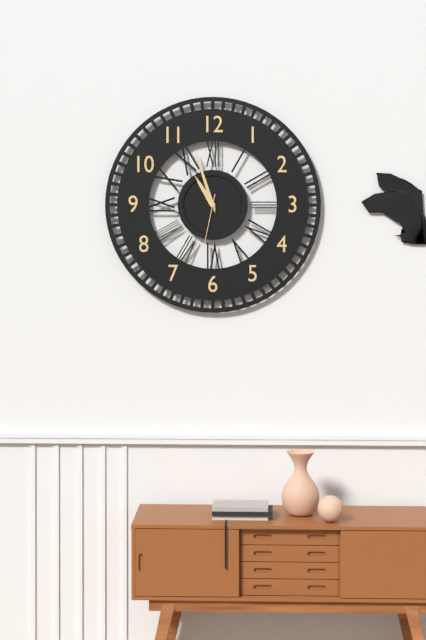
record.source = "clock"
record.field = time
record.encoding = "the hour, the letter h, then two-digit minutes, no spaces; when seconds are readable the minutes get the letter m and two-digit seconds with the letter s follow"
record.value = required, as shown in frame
10h57m32s
